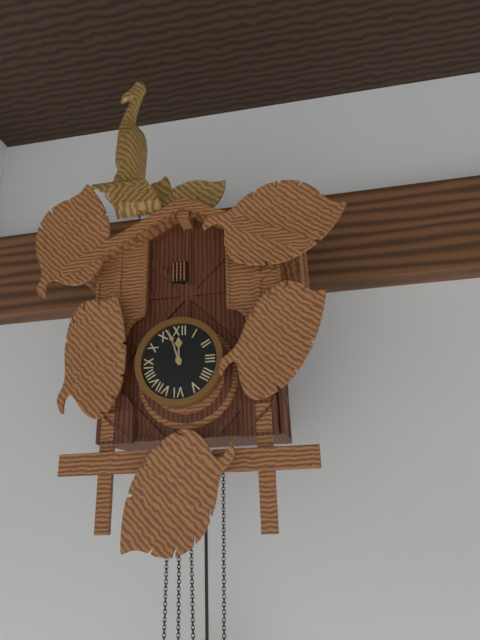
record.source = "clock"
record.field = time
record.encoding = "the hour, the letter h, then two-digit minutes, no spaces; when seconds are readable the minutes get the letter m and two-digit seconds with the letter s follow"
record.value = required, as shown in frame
11h57
